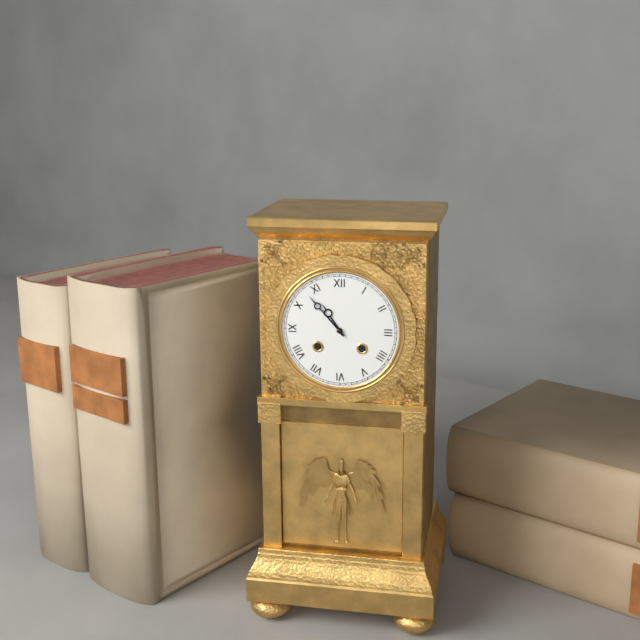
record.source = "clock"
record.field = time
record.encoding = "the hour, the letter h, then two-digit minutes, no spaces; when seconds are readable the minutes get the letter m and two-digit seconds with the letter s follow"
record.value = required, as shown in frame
10h53
